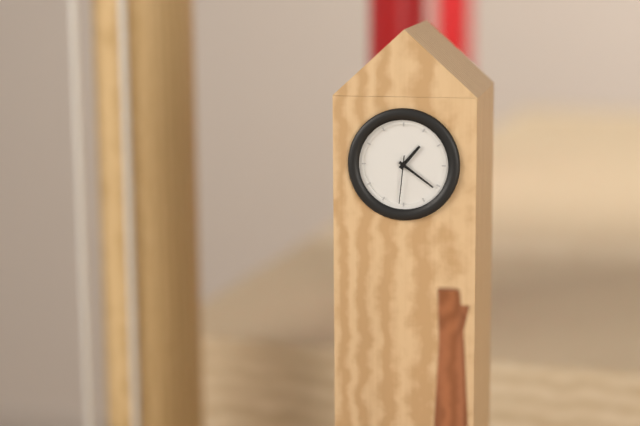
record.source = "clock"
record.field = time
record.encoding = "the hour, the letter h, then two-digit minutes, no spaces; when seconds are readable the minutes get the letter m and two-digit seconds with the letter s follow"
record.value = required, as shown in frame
1h21
